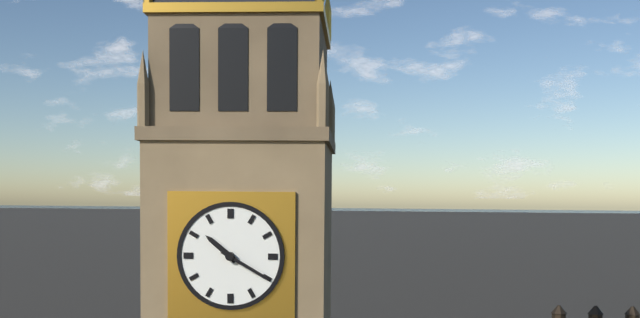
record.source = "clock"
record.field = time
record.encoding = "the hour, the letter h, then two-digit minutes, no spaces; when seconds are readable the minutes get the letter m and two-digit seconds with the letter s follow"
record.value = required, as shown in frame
10h20
